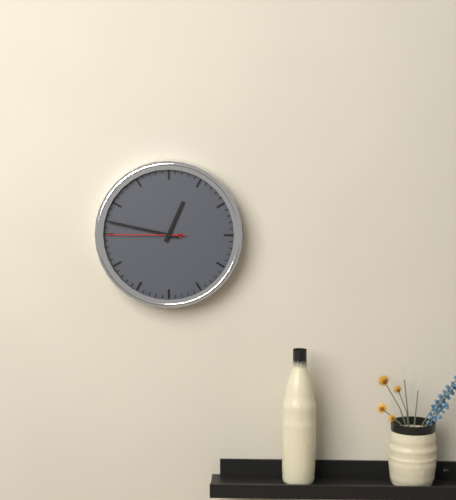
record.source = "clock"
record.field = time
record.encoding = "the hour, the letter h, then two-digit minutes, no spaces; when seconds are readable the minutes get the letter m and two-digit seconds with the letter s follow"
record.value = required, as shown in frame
12h47m45s
